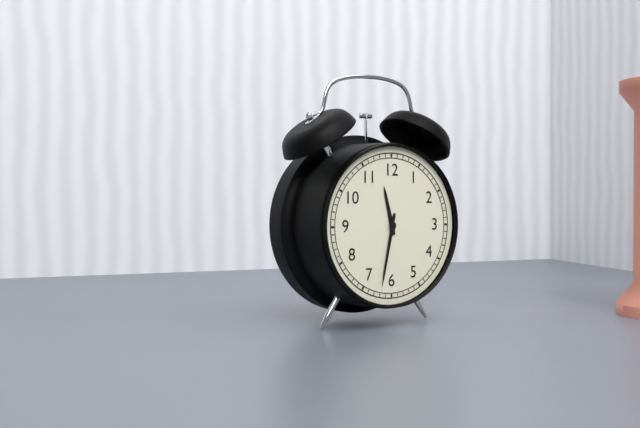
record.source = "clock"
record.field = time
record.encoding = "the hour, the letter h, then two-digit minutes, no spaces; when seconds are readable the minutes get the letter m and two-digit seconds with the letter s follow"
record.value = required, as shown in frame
11h32
